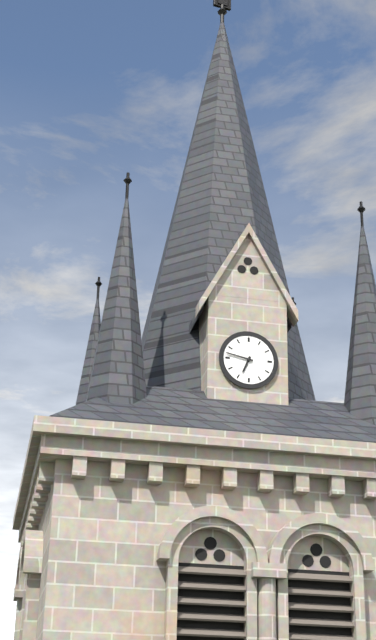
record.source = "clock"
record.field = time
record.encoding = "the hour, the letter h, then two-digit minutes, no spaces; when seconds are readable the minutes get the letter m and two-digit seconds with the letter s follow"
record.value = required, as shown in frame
6h47
